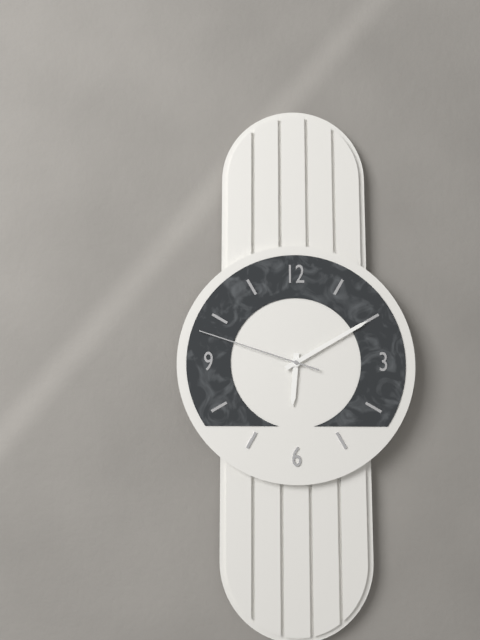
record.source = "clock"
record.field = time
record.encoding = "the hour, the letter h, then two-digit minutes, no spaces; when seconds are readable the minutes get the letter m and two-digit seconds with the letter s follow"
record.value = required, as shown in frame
6h10m48s
